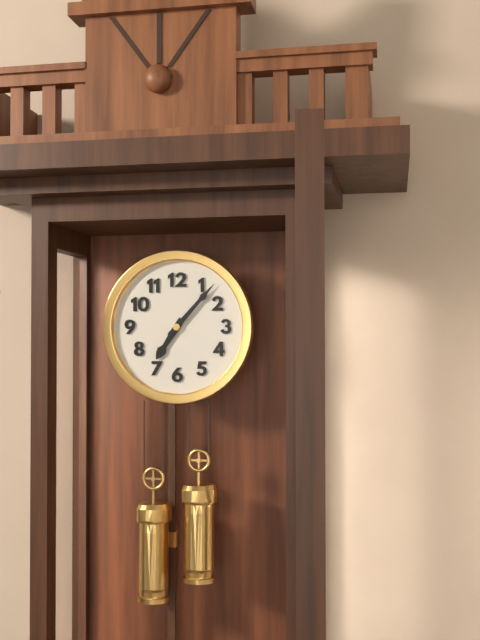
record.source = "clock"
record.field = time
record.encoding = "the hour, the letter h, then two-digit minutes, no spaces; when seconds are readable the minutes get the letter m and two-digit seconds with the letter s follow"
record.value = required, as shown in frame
7h07
